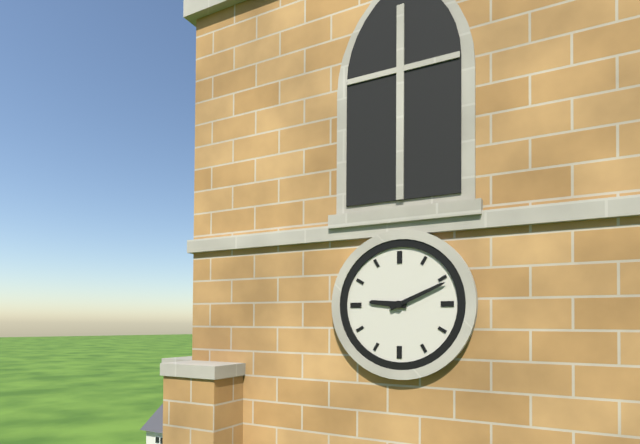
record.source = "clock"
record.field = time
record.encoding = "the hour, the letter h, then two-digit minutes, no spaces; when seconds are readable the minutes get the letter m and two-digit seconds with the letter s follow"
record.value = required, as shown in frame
9h11
